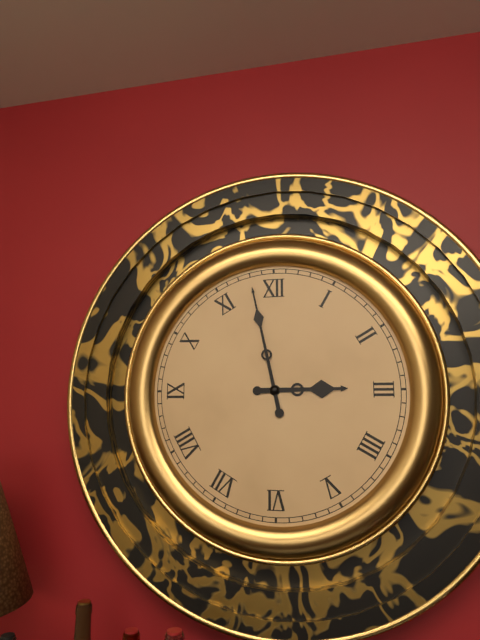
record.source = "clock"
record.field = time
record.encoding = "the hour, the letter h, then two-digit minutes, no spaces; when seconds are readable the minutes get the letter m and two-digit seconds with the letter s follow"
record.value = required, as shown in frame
2h58
